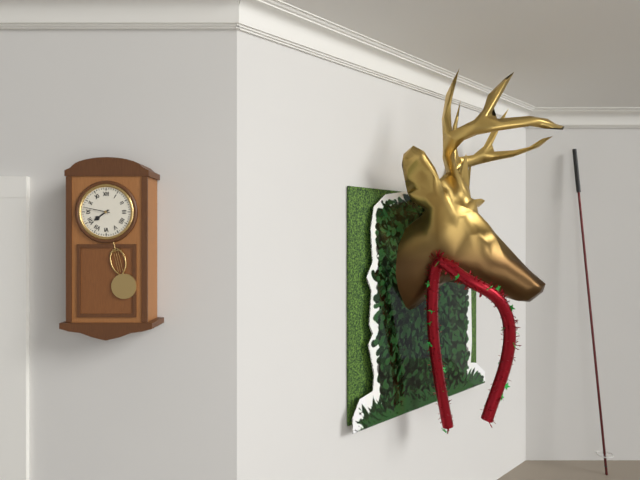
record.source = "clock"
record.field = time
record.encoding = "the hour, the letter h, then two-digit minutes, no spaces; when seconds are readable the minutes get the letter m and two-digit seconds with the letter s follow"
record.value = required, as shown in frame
7h47
